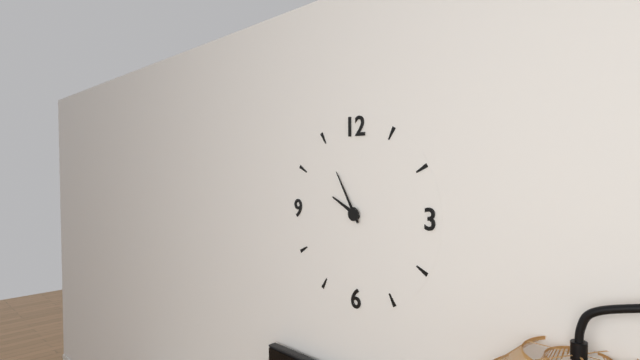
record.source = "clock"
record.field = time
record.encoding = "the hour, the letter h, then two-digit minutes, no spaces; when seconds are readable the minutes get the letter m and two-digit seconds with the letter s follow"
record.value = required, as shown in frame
9h55
